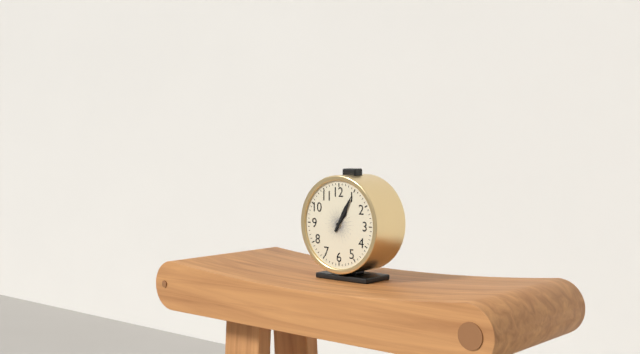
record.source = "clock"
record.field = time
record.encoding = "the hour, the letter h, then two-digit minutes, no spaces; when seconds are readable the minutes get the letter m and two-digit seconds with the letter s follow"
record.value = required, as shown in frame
1h05
